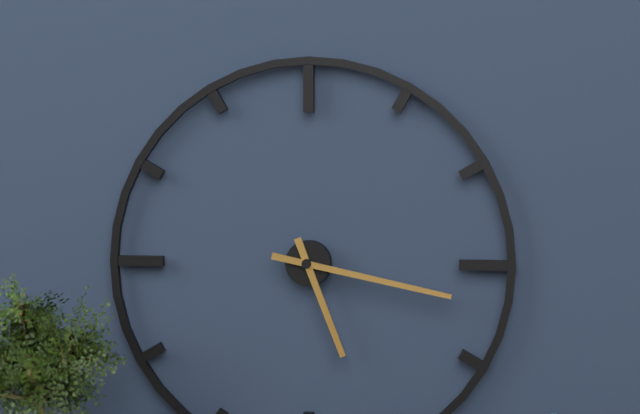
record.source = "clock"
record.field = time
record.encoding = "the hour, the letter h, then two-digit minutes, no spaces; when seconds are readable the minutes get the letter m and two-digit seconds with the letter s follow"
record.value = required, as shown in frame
5h17
